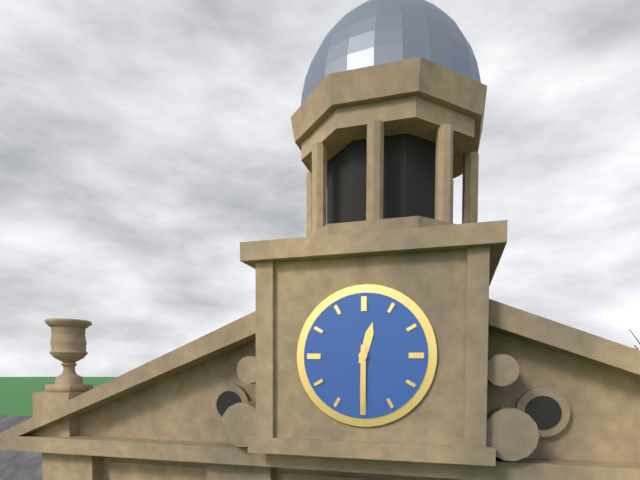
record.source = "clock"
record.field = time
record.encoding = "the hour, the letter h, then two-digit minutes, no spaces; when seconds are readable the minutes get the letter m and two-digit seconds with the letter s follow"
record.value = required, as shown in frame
12h30
